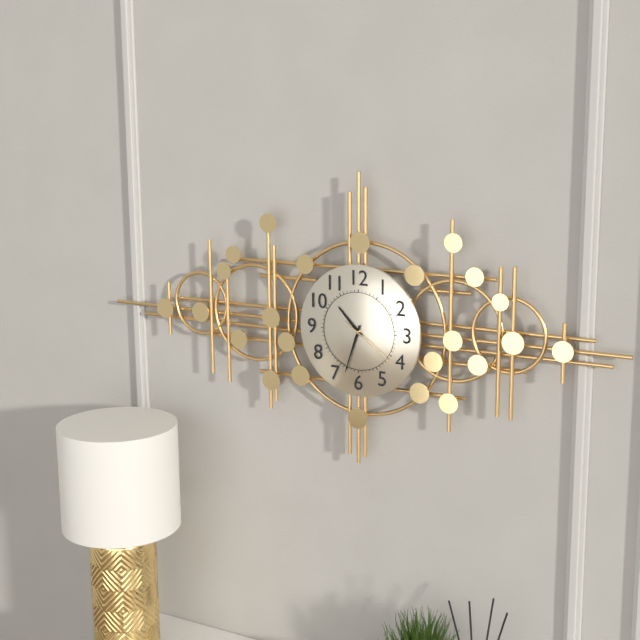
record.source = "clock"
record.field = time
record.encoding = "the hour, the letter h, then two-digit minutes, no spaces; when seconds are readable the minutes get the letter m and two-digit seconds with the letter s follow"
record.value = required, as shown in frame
10h33m21s
